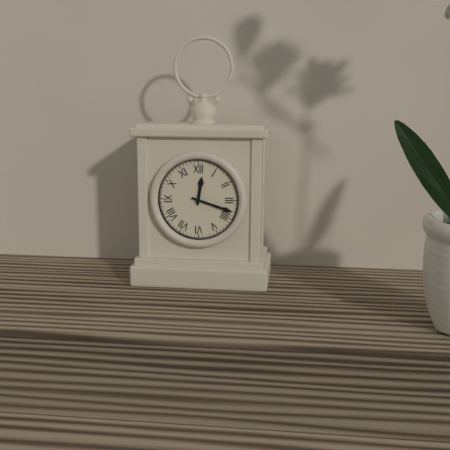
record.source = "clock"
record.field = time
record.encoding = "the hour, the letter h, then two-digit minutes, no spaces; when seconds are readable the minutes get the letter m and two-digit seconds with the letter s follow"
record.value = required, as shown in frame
12h18
